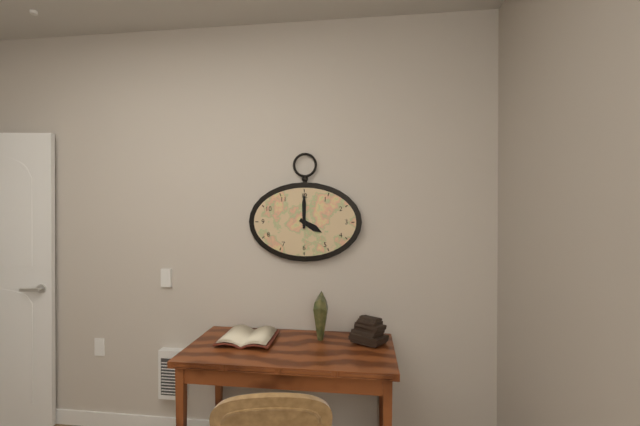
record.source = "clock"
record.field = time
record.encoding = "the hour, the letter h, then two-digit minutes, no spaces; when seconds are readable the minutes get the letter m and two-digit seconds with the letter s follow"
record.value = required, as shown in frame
4h00
